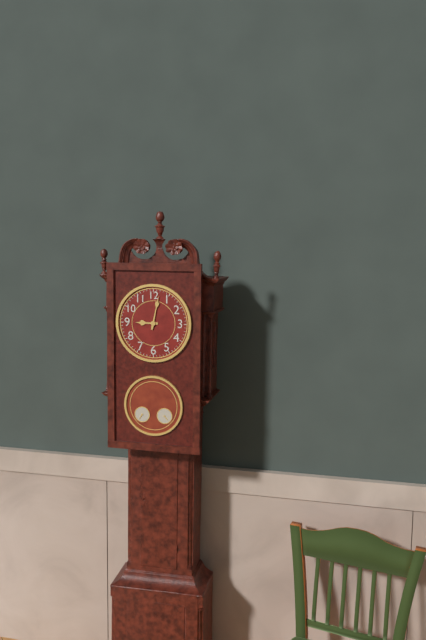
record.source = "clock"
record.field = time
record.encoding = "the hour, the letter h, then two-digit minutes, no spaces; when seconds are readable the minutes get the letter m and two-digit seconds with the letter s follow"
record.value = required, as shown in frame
9h02
